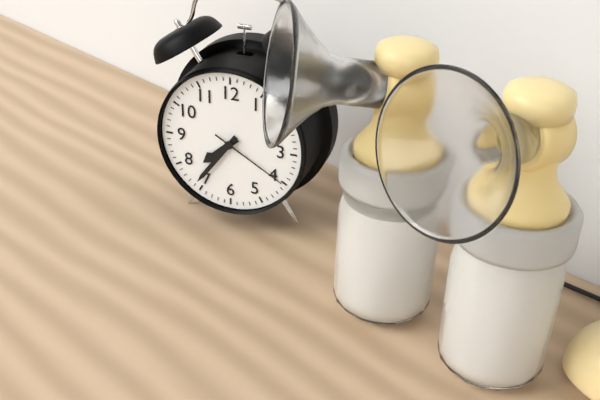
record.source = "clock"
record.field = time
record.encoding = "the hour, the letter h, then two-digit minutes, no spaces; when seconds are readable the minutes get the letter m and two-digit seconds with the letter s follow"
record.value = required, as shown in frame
7h36m20s
